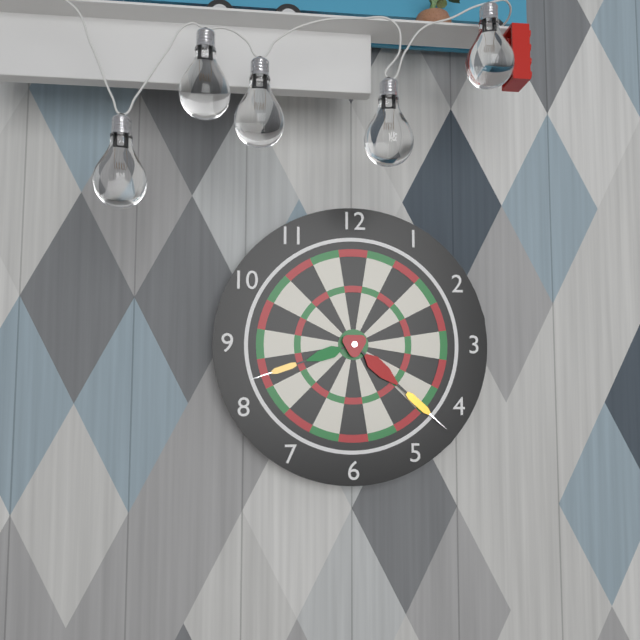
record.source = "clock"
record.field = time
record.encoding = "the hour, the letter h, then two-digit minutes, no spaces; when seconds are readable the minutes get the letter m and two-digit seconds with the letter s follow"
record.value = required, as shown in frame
8h22
